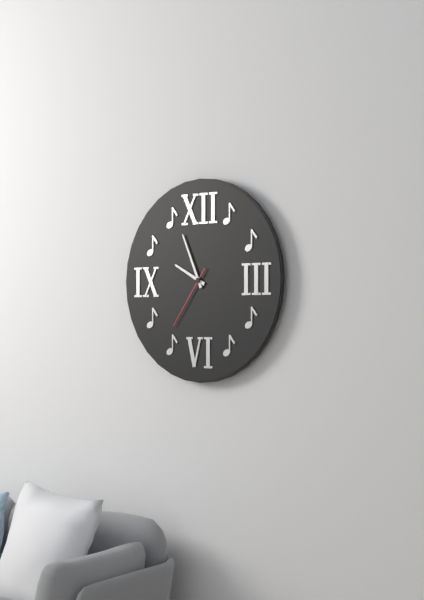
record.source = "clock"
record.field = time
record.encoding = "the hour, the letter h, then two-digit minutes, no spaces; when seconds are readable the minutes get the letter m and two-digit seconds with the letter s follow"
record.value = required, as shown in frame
9h56m36s
